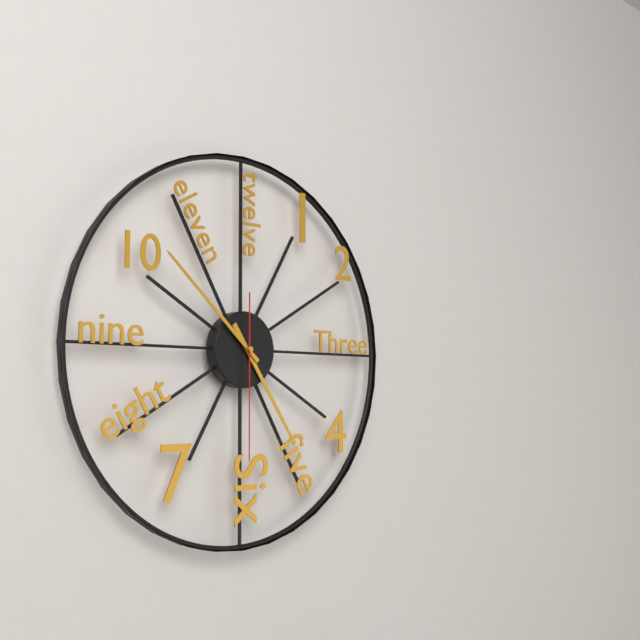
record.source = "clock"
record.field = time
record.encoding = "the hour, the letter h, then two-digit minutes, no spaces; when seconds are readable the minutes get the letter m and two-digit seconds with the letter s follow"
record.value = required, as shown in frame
4h52m30s
